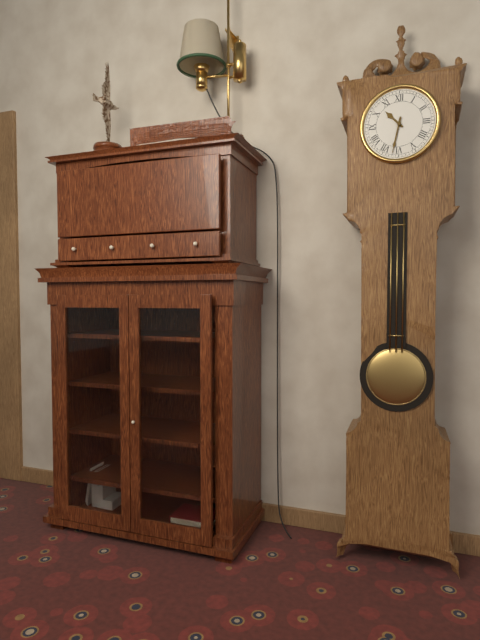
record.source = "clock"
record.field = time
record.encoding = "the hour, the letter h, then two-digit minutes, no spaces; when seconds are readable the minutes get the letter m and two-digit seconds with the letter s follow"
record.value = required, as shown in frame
10h32
